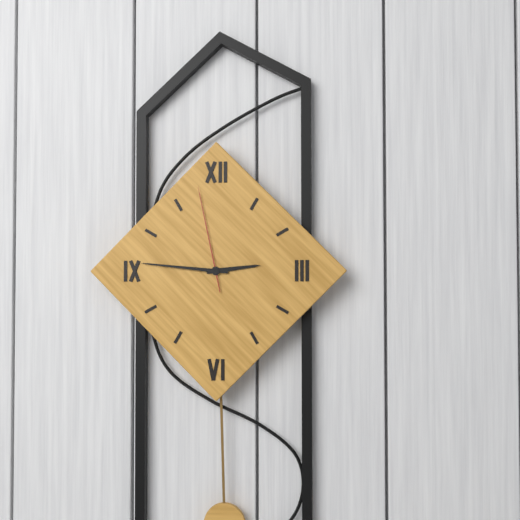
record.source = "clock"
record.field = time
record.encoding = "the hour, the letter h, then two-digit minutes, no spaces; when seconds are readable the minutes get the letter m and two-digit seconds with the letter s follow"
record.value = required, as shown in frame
2h46m58s
